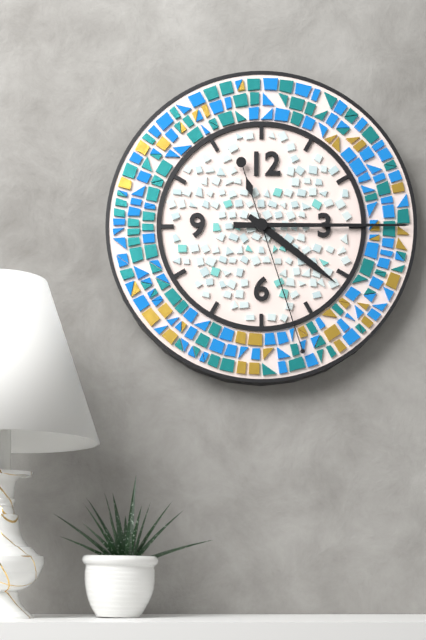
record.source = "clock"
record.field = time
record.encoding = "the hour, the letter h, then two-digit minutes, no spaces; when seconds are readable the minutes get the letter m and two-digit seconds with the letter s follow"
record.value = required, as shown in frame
4h15m27s
